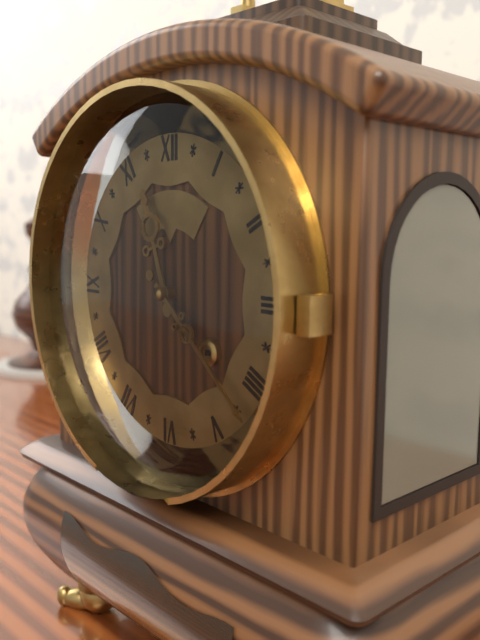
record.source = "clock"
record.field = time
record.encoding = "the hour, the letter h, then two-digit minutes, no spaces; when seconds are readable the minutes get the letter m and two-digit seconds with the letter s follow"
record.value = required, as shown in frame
11h22
